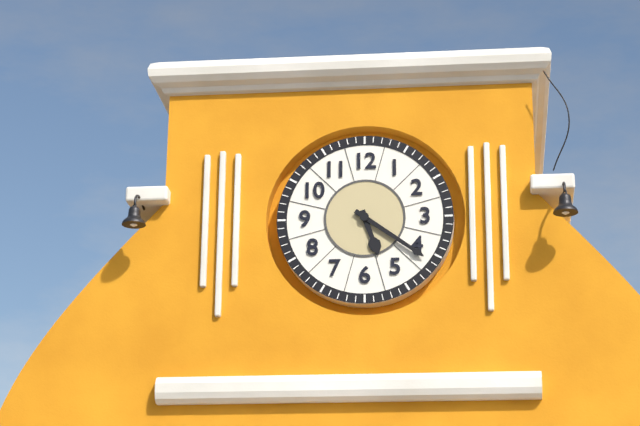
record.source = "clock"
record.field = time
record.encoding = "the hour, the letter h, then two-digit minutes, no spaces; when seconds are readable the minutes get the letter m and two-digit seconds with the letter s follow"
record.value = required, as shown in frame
5h21
